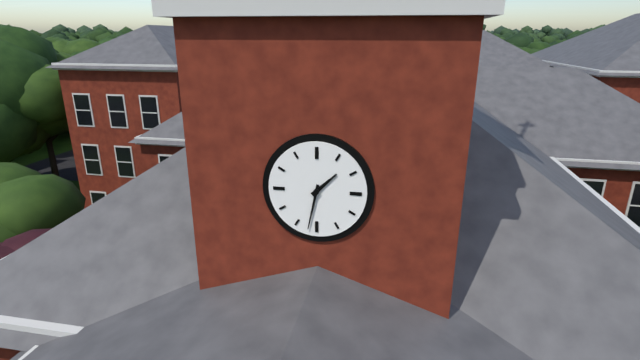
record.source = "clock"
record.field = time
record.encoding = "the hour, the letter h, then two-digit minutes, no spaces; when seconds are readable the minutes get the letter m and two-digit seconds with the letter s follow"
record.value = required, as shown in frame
1h32
